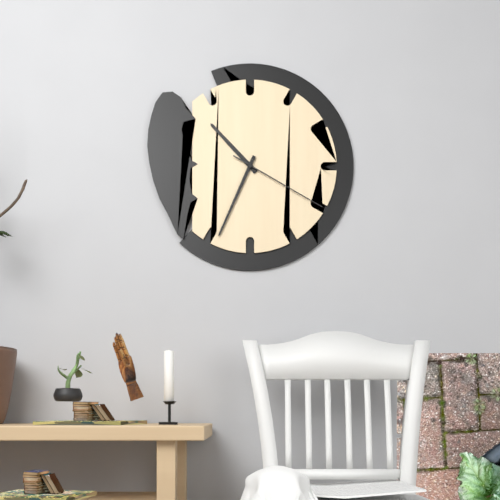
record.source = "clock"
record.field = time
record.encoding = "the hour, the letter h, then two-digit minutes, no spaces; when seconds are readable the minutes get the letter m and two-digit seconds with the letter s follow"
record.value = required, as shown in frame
10h34m20s
